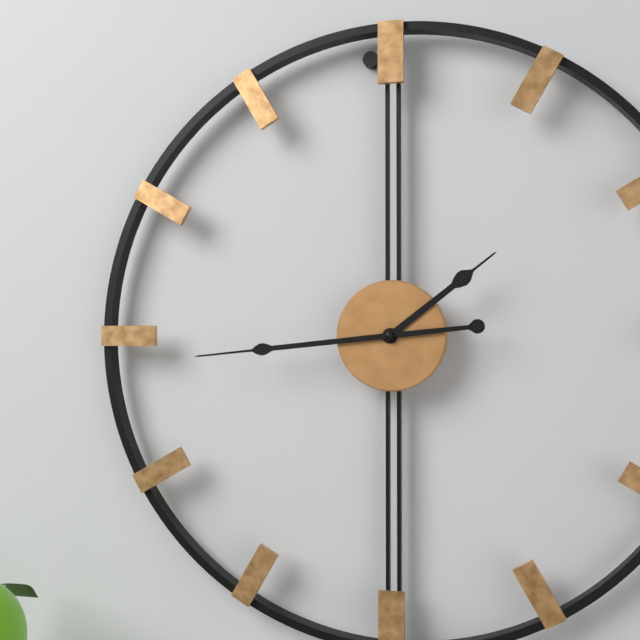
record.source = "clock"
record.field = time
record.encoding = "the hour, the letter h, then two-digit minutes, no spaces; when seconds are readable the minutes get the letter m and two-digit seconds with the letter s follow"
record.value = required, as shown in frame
1h44
